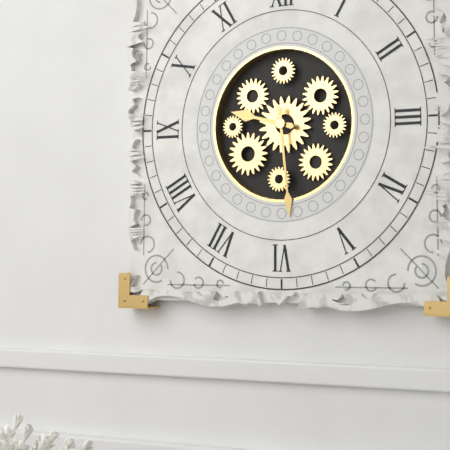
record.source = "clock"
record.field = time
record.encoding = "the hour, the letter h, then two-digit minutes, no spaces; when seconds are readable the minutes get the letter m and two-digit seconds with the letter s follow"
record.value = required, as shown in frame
9h29
